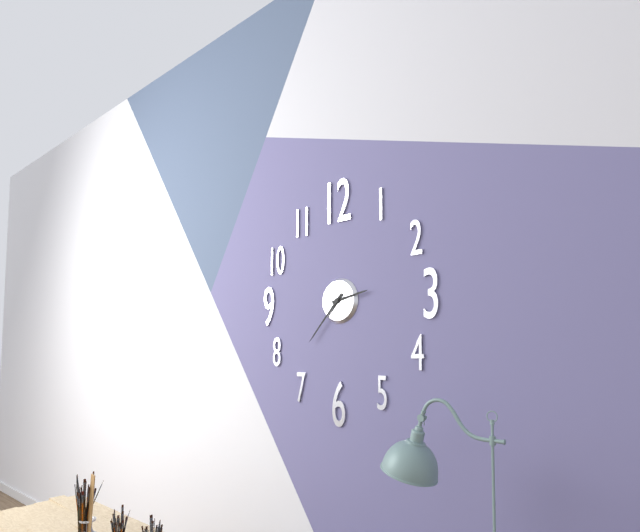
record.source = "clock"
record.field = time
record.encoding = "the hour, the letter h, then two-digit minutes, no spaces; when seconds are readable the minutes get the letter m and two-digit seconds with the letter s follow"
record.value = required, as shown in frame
2h37
